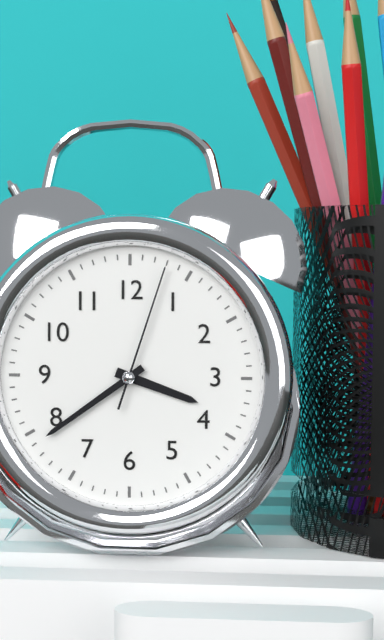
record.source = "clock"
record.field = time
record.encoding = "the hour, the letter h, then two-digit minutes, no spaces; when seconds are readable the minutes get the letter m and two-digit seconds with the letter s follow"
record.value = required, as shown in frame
3h39m03s
